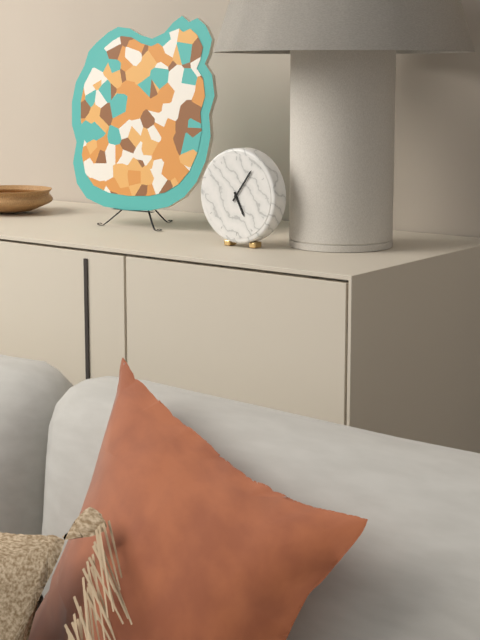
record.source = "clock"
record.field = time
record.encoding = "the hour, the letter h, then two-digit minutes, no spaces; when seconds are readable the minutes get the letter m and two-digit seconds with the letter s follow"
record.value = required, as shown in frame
5h06
